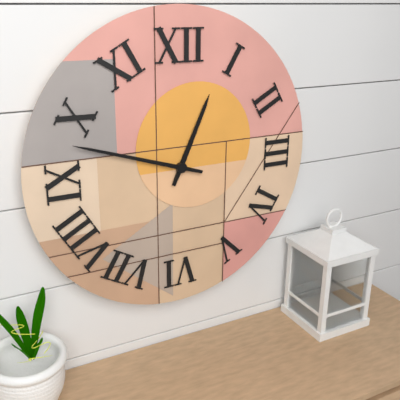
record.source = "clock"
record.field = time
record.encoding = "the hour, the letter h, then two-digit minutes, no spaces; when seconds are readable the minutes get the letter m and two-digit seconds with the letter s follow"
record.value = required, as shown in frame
12h48
